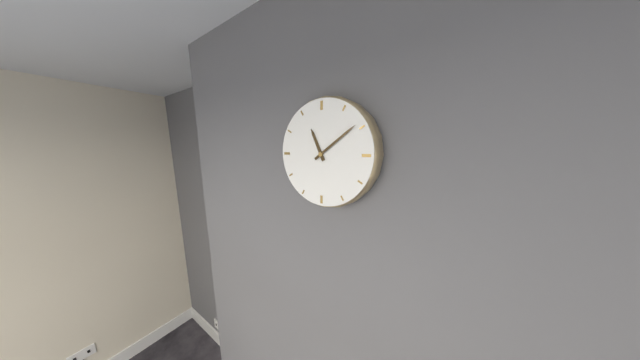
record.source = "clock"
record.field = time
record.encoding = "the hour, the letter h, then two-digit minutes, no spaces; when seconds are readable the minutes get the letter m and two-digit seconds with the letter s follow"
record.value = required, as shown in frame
11h09
